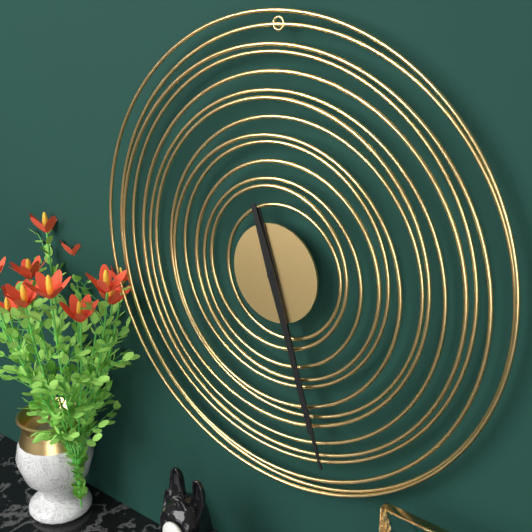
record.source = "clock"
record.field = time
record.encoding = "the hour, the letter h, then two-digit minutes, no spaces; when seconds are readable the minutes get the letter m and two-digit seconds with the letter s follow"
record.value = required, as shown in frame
5h27
